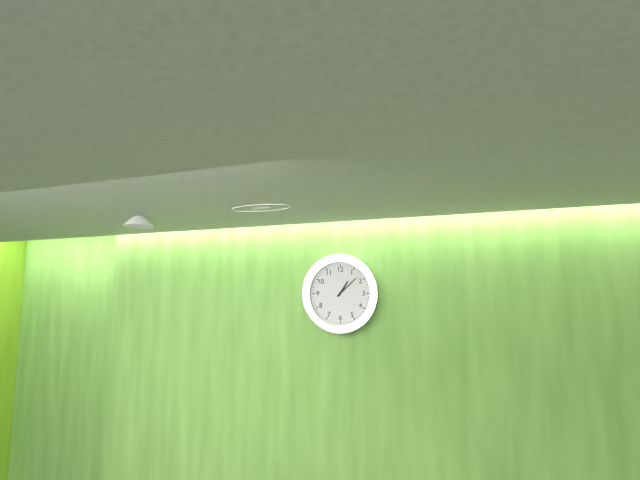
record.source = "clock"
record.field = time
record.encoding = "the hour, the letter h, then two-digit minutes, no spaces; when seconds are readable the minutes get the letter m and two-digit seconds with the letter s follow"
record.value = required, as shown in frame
1h08
